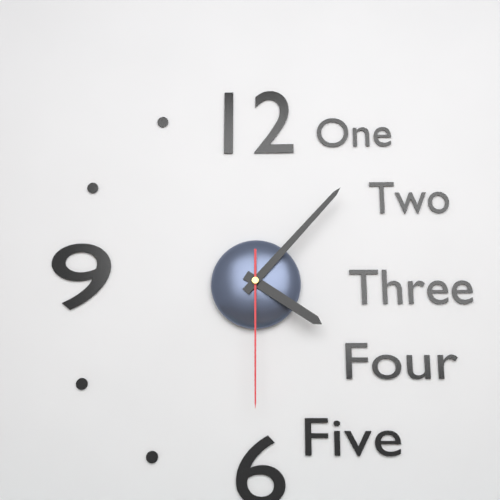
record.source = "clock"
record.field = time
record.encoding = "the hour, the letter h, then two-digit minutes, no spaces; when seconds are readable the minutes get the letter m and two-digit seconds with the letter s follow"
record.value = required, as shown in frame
4h07m30s
